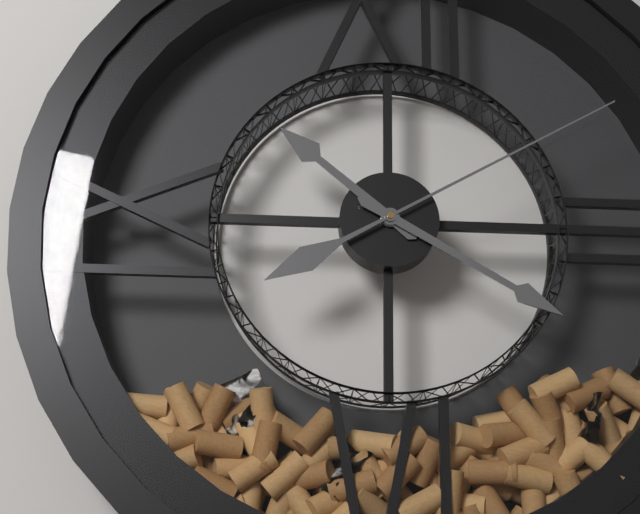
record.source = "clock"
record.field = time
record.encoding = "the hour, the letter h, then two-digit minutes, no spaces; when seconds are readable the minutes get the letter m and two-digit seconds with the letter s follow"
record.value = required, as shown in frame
10h20m10s
